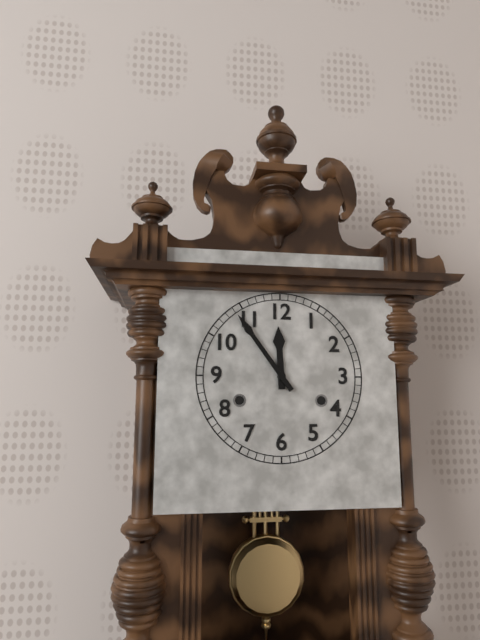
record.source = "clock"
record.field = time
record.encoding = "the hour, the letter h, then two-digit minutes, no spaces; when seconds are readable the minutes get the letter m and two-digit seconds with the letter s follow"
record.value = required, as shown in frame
11h54
